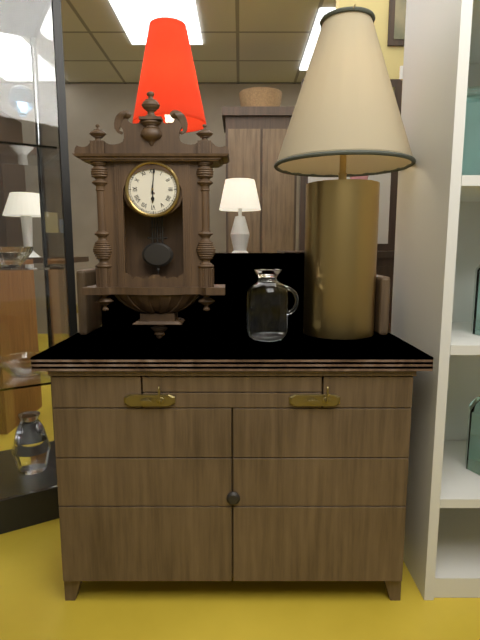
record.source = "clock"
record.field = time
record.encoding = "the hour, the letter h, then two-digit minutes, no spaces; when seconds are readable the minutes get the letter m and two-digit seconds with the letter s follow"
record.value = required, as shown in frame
6h01
